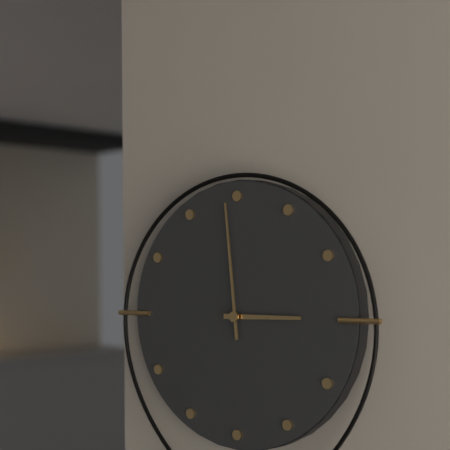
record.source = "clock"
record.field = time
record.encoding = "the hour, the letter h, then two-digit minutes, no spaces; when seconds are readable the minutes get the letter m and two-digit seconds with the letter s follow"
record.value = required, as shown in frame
2h59
